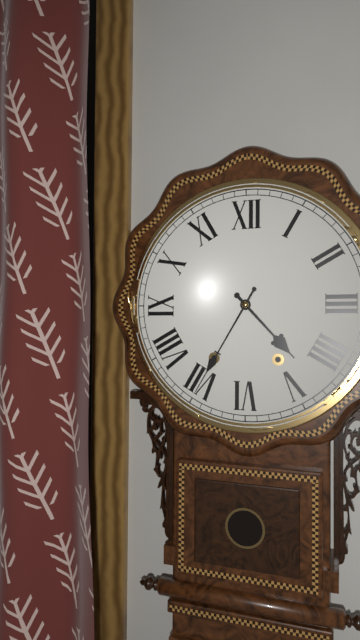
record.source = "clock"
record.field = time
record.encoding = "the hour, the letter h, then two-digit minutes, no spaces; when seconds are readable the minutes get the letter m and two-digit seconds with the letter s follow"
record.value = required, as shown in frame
4h35
